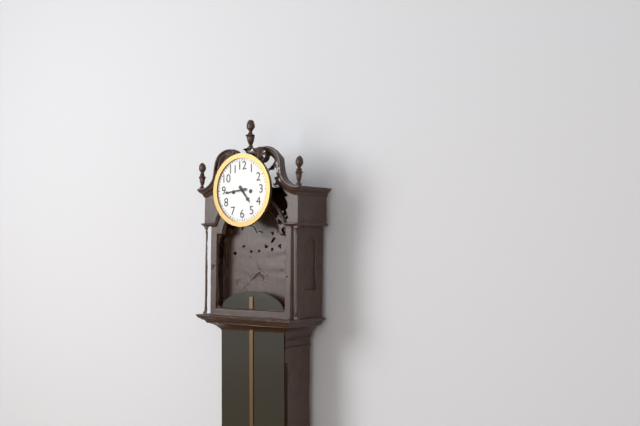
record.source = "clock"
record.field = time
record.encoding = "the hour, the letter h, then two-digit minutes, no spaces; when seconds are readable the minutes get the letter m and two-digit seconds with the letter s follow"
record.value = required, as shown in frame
4h44
